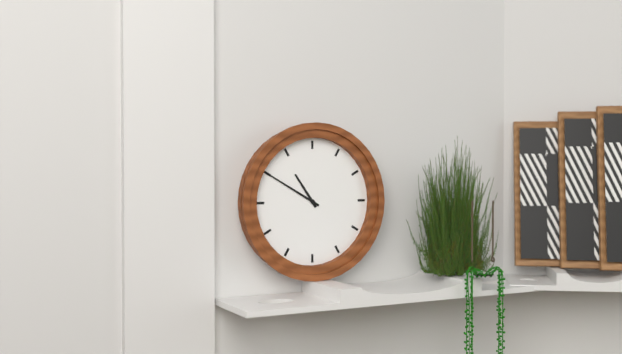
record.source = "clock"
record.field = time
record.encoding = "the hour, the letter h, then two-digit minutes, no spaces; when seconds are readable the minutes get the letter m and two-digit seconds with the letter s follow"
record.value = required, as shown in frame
10h50
